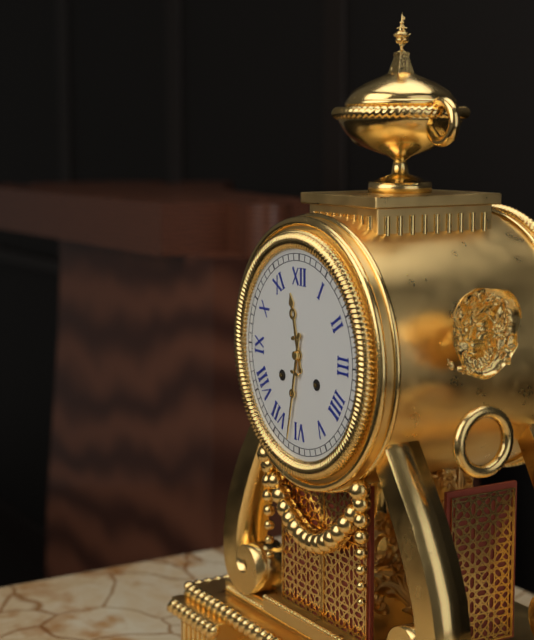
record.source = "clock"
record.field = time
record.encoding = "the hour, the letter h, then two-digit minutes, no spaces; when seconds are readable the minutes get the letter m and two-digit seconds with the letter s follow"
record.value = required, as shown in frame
11h32
